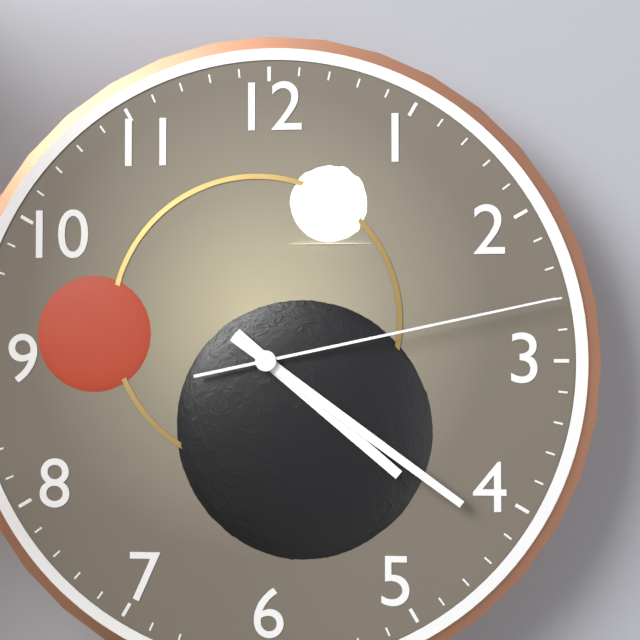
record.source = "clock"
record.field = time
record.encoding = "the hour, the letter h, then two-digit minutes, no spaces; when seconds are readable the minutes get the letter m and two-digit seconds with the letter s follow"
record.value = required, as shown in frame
4h21m13s
